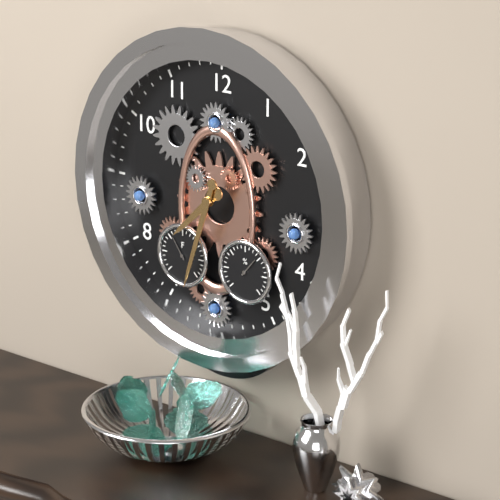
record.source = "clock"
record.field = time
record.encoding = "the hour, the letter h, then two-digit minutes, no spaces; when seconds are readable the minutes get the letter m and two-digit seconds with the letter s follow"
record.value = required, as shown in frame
7h33
